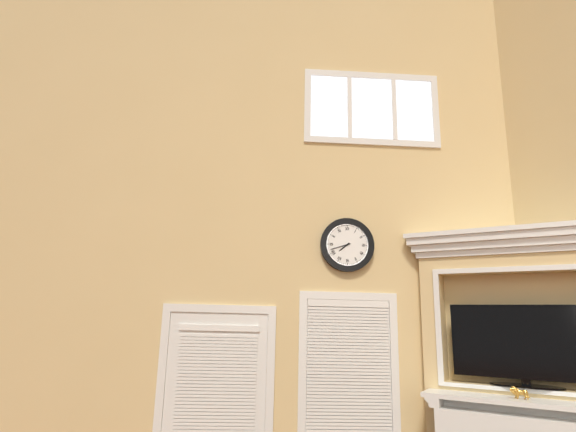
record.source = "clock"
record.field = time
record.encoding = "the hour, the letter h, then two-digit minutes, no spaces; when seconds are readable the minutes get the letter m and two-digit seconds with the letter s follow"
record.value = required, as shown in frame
7h42
